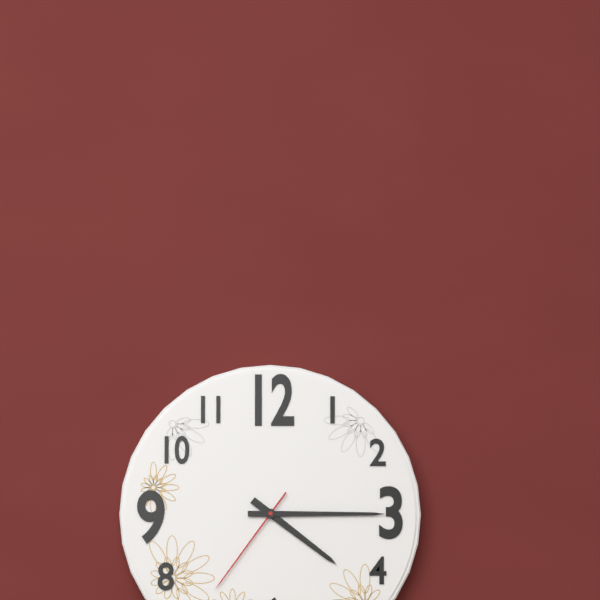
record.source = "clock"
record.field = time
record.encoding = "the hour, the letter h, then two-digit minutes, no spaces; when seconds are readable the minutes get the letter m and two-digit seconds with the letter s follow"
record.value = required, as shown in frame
4h15m36s
